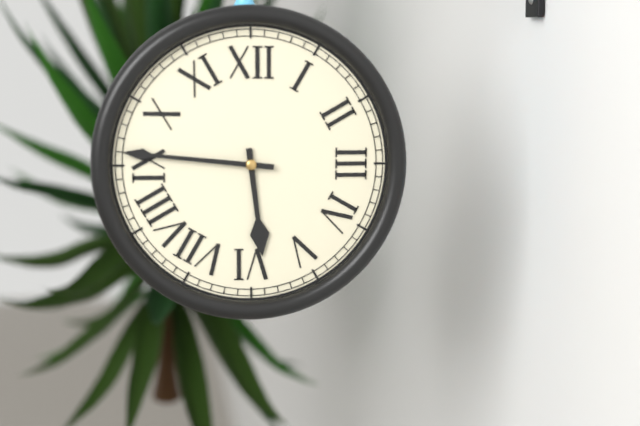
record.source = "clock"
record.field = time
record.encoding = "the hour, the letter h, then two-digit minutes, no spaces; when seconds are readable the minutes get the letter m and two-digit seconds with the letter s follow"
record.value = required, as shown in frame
5h46
